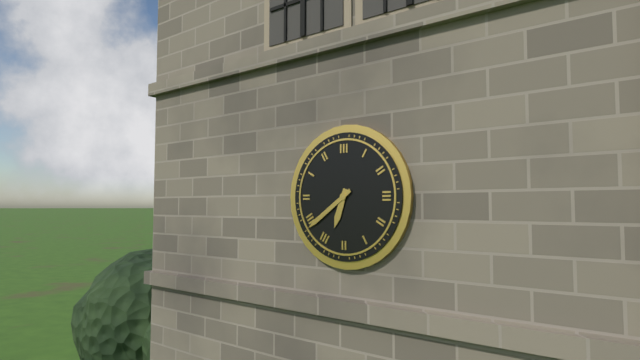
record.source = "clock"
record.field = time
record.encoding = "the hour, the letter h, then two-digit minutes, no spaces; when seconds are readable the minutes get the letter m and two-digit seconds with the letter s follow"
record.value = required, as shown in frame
6h39
